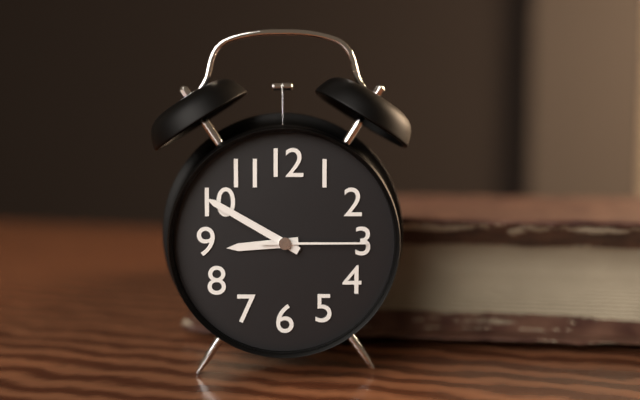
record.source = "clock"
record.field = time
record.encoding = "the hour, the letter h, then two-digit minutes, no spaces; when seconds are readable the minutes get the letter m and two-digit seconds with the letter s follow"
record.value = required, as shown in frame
8h50m15s
